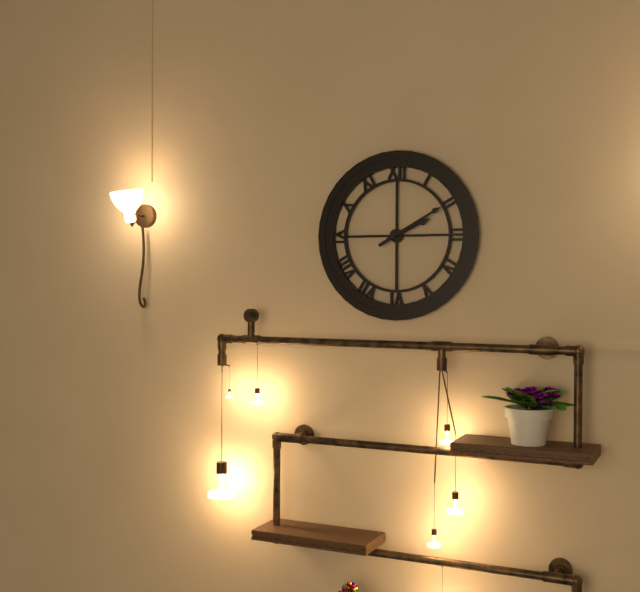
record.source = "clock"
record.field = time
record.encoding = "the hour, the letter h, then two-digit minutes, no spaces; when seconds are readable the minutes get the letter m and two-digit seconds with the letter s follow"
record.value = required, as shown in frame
2h10
